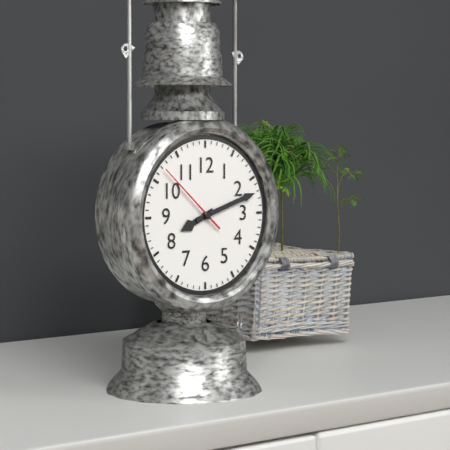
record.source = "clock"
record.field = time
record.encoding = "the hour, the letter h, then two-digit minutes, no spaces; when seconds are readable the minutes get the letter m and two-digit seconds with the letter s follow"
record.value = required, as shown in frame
8h12m52s
